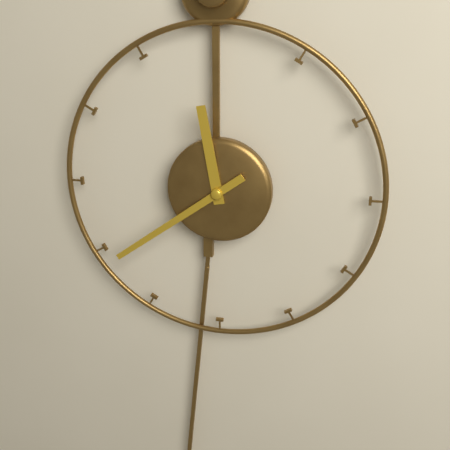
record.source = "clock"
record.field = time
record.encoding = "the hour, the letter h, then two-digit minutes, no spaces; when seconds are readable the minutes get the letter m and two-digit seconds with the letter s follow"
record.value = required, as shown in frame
11h39
